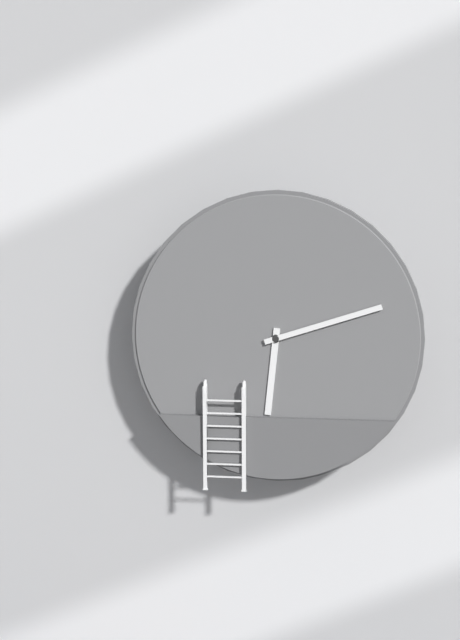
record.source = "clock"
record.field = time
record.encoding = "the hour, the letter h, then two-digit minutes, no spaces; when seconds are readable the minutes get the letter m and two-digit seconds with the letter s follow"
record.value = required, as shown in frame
6h12
